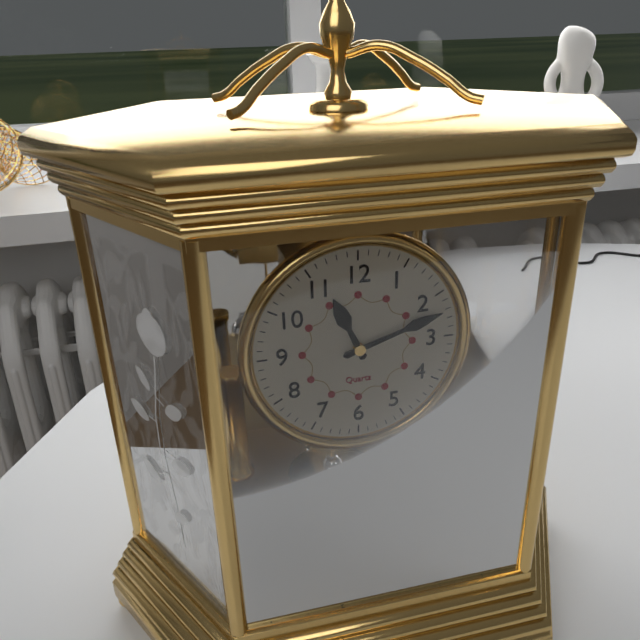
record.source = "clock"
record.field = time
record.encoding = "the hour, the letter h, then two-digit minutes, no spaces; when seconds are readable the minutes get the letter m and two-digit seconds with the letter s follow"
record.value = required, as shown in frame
11h12
